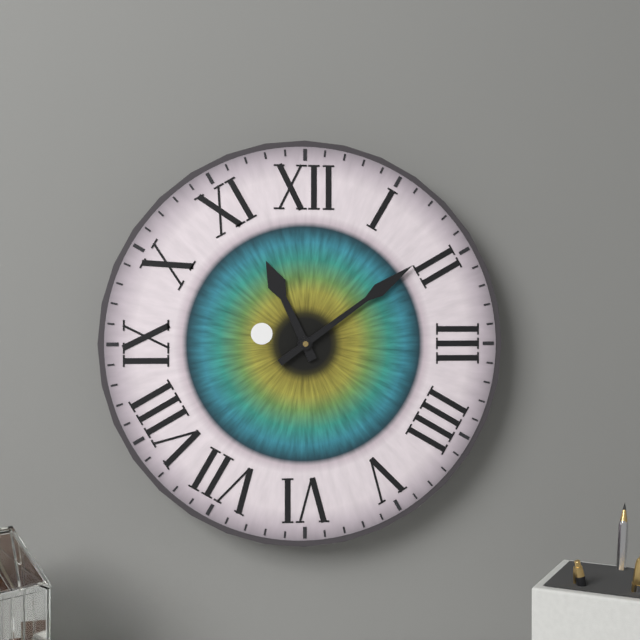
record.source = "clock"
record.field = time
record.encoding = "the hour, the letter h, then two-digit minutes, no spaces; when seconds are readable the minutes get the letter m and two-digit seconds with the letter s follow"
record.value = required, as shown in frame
11h09
